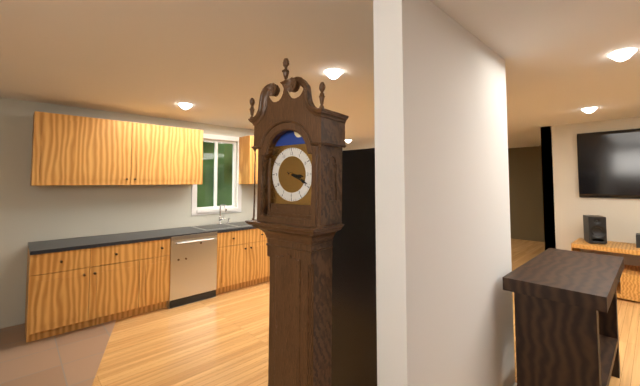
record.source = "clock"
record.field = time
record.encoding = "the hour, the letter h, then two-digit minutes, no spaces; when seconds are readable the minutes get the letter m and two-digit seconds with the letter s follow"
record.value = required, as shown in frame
3h19
